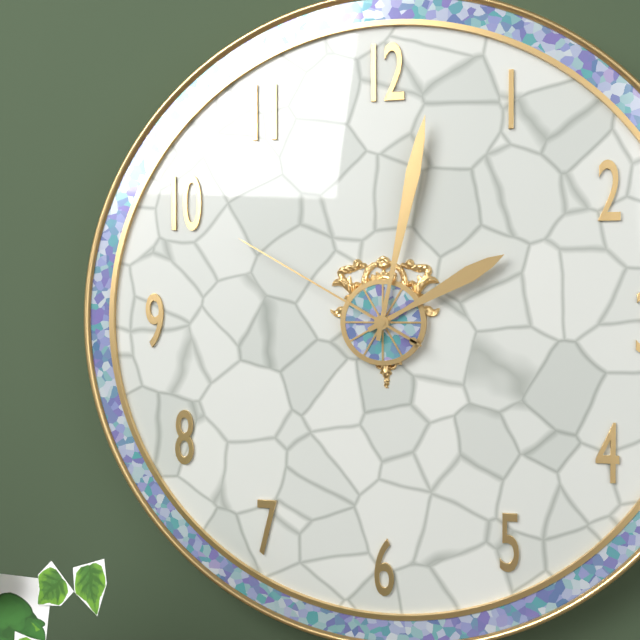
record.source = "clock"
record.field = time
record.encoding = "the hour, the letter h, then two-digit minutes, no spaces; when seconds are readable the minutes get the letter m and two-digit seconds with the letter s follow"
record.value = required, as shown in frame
2h02m50s
